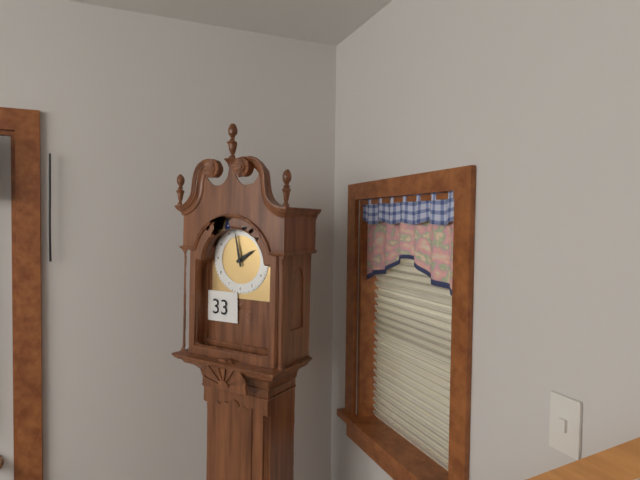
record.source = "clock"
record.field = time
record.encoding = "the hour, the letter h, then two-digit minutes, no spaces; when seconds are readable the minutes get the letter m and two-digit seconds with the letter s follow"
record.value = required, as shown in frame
1h58
